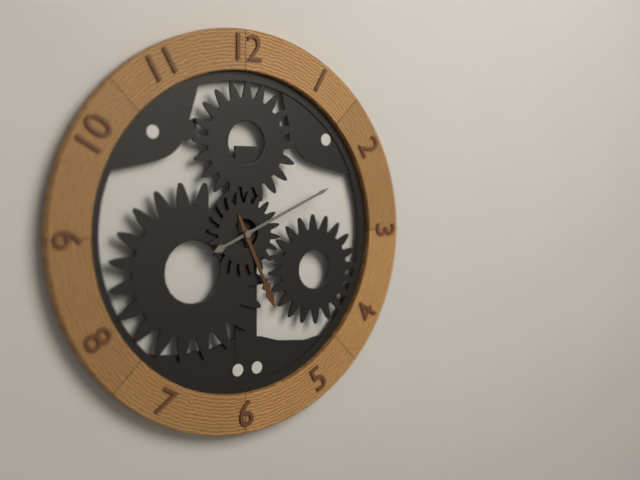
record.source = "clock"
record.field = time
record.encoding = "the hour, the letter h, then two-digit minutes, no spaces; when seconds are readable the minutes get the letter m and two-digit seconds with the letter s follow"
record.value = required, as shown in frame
5h11
